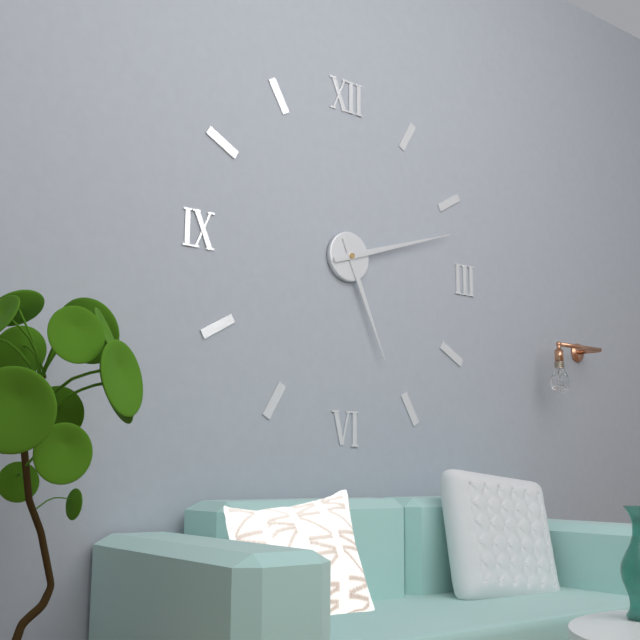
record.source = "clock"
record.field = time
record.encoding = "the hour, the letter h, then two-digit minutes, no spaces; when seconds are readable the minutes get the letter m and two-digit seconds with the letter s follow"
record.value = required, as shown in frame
5h12
